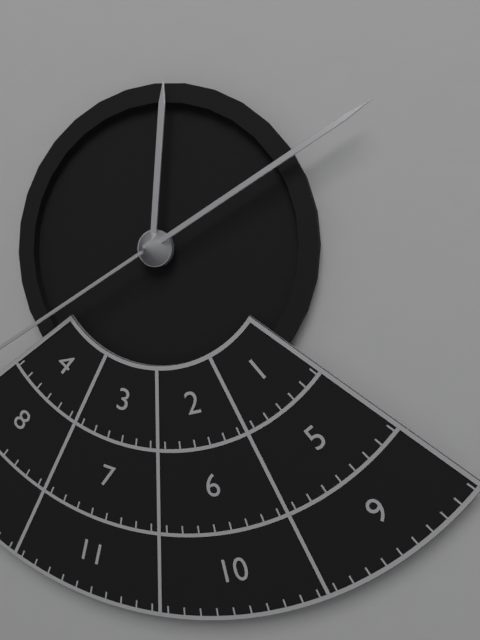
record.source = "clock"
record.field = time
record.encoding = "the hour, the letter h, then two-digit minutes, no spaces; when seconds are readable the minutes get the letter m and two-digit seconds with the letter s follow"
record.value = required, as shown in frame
12h10
